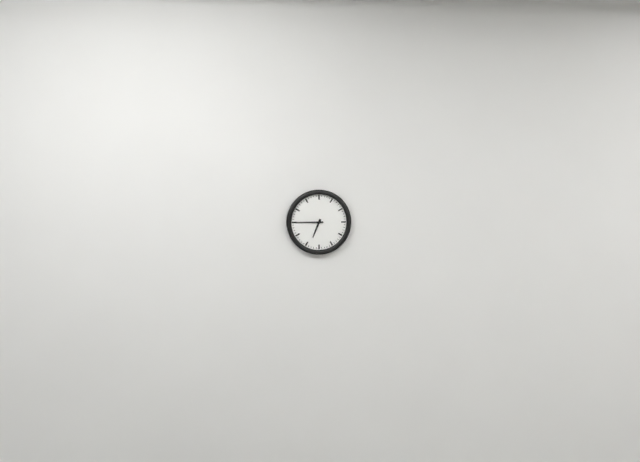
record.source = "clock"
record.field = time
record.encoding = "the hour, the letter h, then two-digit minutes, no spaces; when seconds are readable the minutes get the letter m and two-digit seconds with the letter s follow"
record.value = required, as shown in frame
6h45
